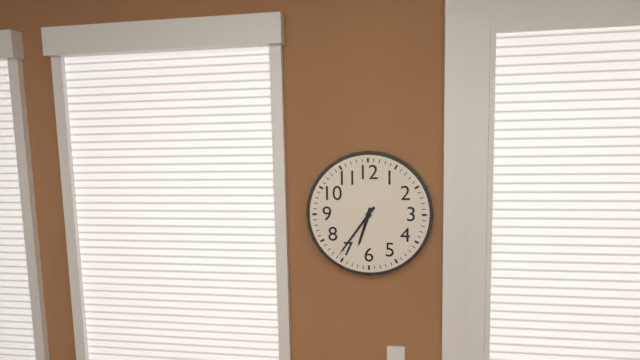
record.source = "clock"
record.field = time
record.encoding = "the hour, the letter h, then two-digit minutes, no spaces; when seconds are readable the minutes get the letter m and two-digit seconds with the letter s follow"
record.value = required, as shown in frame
6h36
